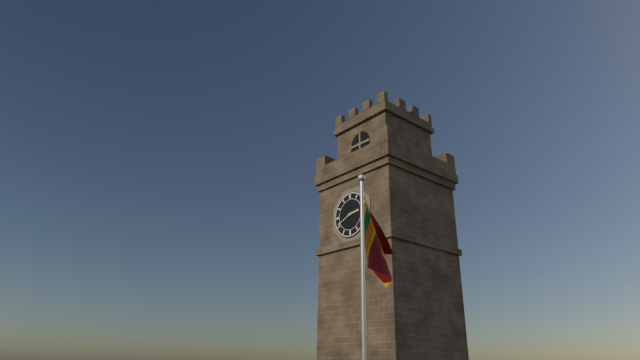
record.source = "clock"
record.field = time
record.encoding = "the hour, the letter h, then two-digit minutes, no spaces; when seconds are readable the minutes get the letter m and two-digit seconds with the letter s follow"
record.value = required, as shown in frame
2h41
